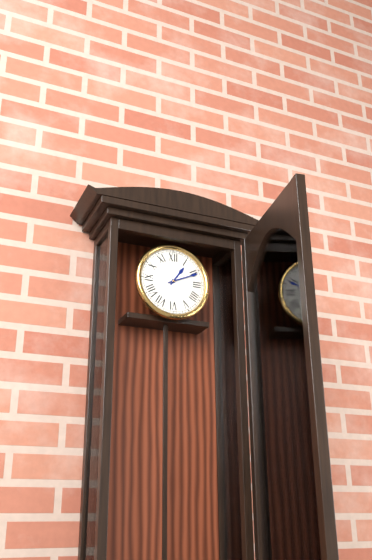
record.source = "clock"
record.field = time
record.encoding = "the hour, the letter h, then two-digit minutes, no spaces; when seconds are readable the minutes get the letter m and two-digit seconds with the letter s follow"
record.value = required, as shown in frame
1h11
